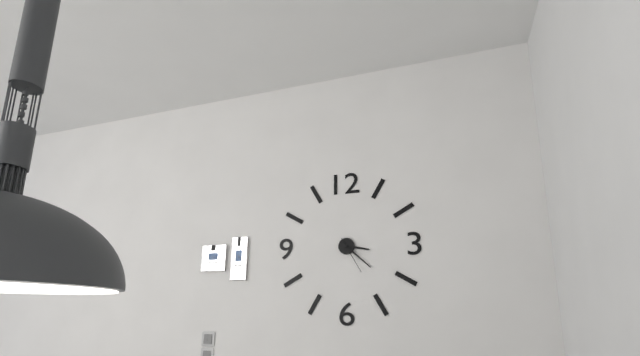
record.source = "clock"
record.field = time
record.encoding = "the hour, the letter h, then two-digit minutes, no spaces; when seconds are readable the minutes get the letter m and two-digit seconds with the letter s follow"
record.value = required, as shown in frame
3h22
